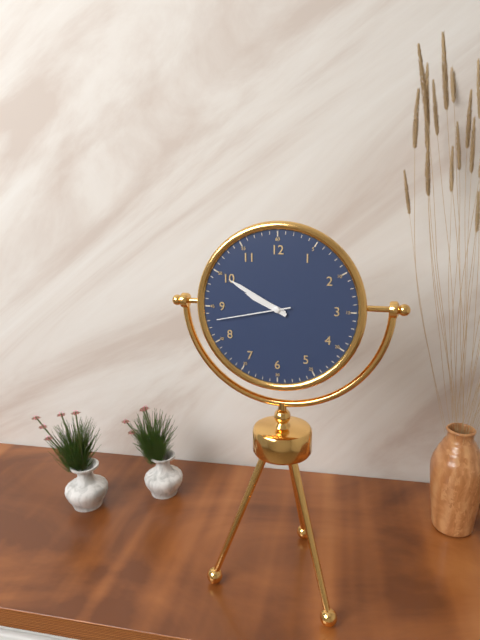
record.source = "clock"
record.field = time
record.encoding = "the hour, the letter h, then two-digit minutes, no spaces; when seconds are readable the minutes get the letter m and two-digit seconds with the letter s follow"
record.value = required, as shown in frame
9h50m43s
